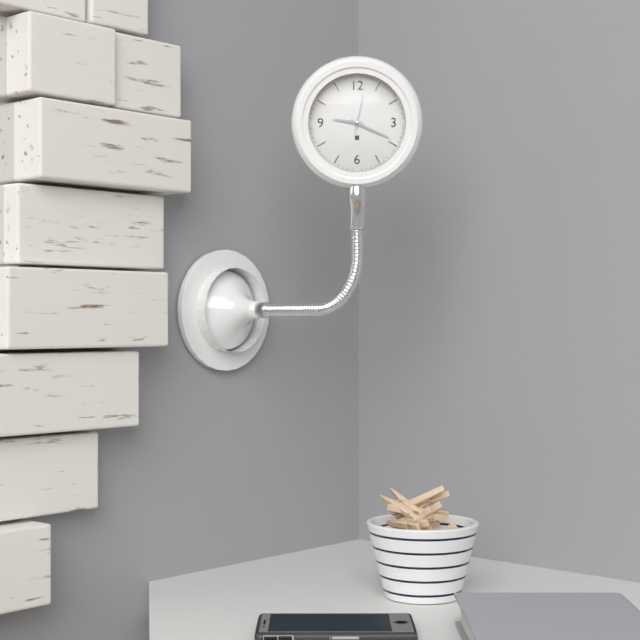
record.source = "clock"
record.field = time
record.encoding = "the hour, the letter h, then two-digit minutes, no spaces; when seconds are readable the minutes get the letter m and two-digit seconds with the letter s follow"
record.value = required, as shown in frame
9h19
